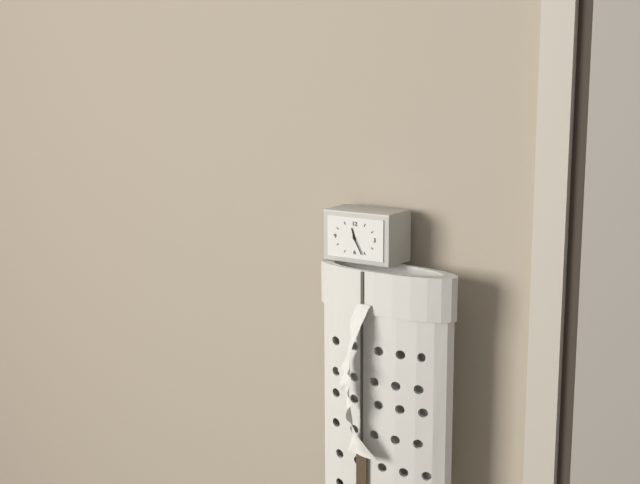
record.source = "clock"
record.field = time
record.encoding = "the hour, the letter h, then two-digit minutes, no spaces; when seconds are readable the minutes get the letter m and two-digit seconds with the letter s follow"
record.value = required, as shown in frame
11h25
